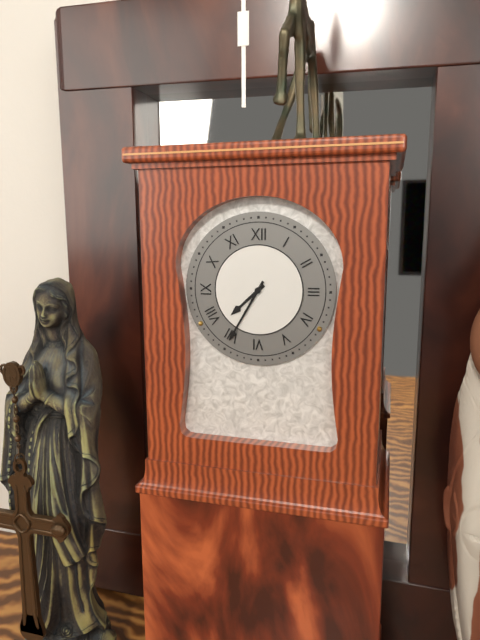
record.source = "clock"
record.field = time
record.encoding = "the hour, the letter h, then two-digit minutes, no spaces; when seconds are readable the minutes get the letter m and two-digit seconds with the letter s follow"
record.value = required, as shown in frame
7h35
